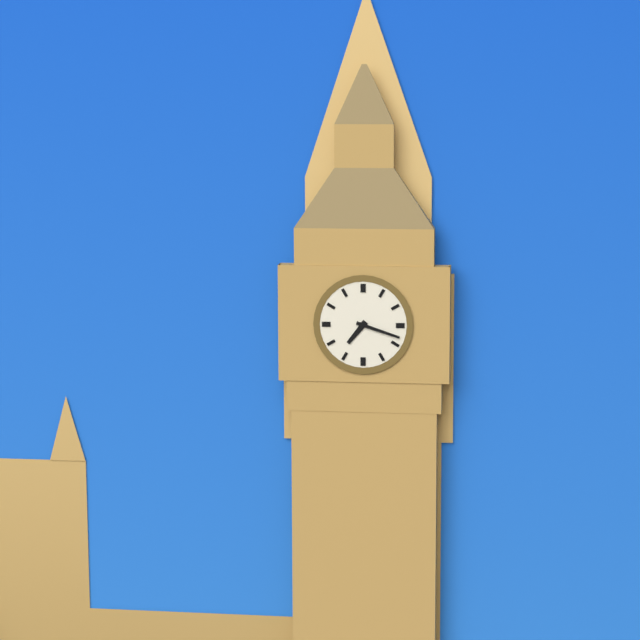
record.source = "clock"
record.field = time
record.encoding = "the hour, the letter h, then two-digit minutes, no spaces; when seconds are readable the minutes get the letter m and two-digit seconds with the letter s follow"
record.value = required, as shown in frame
7h18
